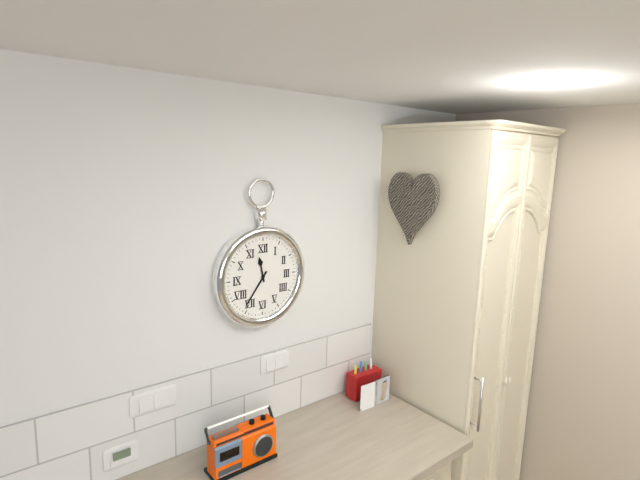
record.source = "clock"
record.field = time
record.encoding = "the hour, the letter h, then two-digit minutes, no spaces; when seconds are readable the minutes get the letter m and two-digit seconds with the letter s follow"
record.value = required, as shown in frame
11h36
